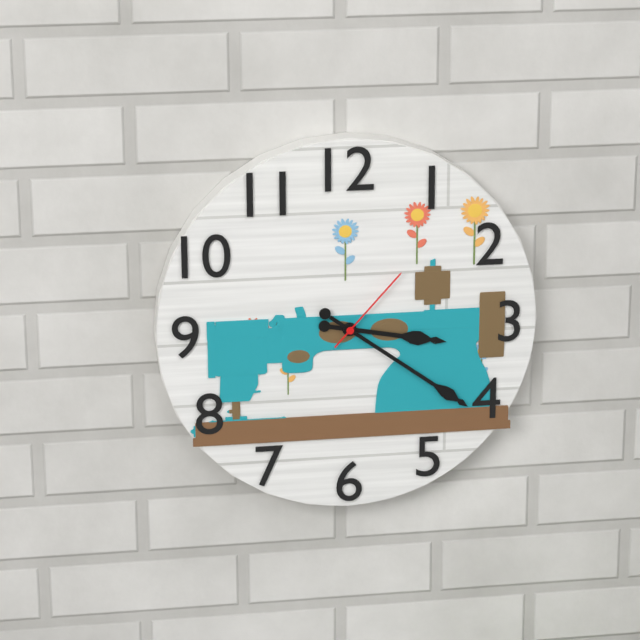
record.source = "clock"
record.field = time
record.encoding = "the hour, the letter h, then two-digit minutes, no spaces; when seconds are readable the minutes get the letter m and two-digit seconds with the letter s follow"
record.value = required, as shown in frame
3h21m07s
